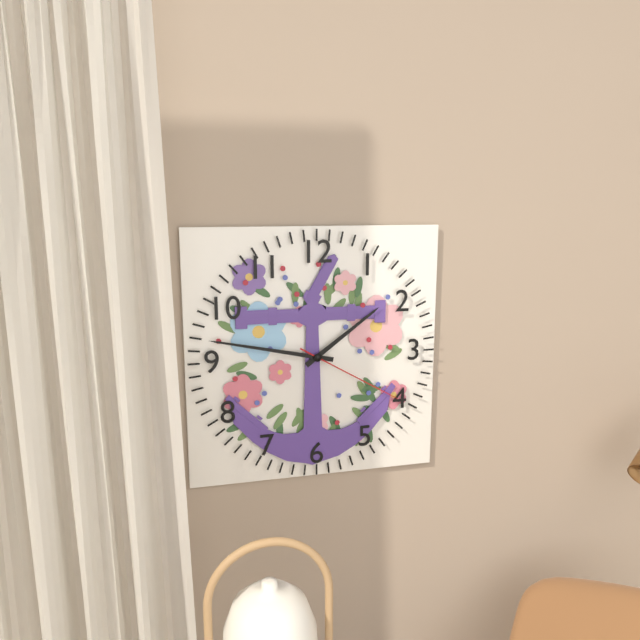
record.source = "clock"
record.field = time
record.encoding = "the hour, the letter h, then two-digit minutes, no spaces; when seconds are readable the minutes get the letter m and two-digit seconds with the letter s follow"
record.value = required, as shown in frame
1h47m20s
